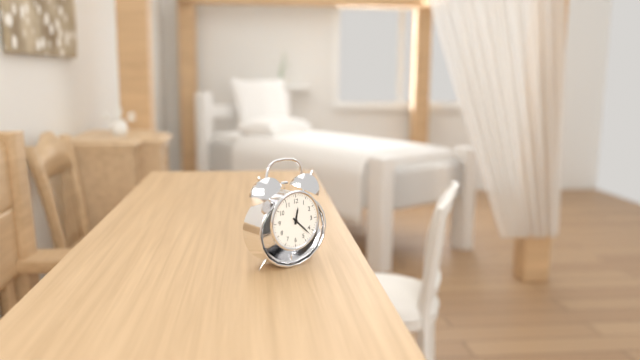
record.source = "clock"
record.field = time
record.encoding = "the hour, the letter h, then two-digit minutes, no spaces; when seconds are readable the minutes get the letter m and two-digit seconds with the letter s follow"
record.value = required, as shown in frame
12h22
